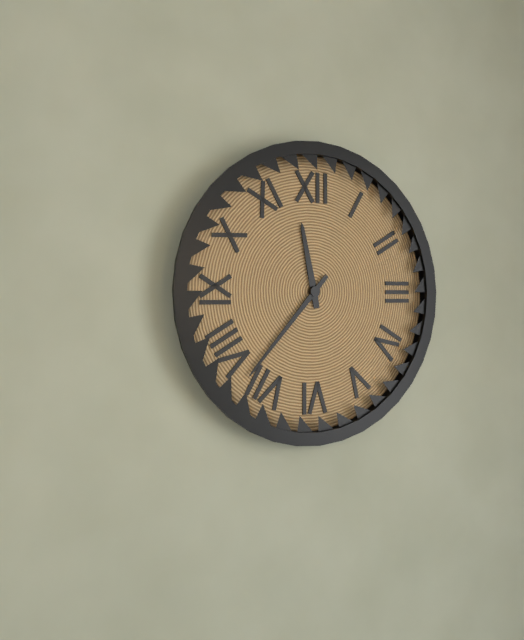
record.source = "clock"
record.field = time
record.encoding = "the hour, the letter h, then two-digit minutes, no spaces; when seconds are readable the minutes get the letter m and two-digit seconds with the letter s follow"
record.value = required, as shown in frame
11h37
